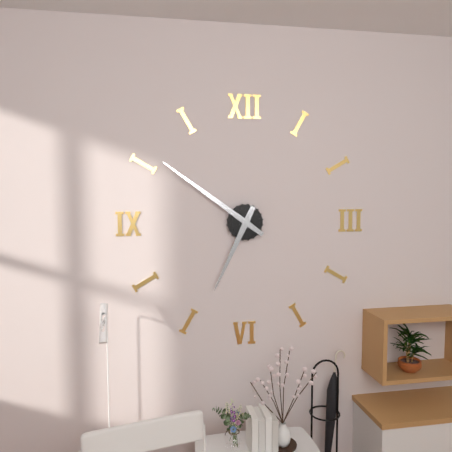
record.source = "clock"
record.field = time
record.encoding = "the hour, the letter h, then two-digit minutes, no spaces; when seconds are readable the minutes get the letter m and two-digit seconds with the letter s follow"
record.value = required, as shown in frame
6h51
